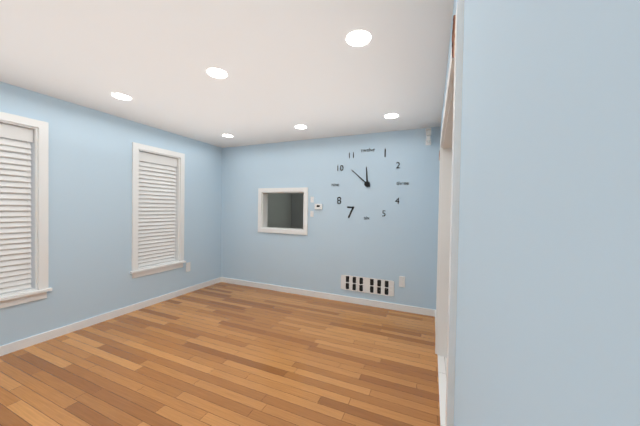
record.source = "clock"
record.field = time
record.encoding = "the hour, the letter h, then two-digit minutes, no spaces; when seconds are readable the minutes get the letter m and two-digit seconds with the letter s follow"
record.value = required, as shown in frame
11h52
